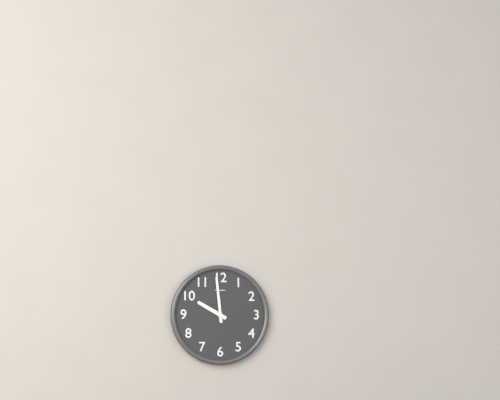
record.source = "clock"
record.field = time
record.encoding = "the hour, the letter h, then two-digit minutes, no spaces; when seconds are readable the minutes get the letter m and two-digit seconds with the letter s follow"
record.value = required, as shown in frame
9h59
